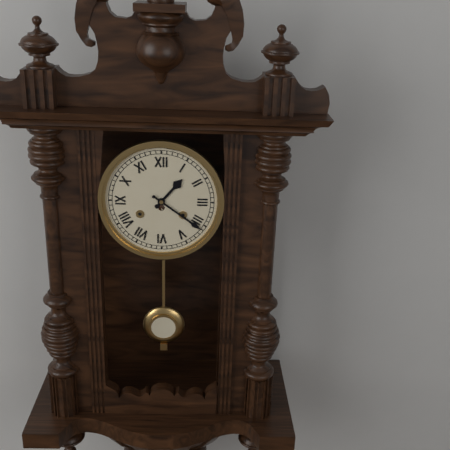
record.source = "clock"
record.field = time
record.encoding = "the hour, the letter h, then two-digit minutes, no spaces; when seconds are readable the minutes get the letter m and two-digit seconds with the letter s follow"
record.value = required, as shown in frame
1h21
